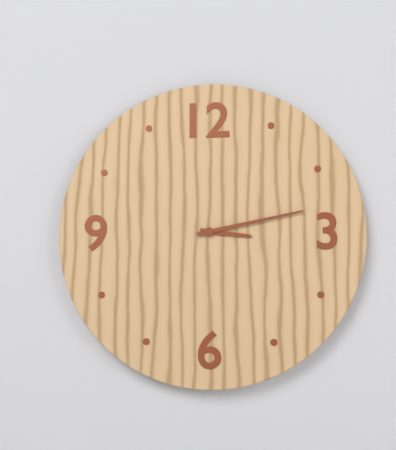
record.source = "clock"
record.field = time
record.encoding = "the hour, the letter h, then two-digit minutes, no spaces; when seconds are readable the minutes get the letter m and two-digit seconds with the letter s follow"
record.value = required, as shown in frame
3h13
